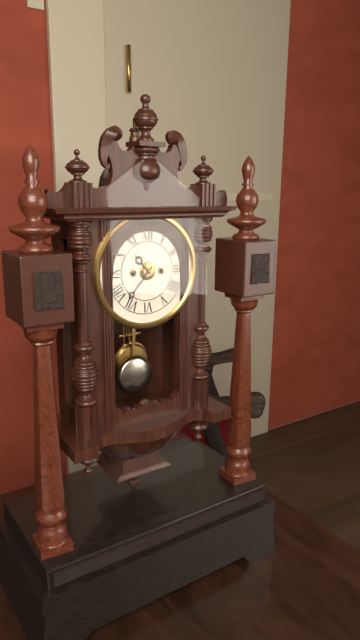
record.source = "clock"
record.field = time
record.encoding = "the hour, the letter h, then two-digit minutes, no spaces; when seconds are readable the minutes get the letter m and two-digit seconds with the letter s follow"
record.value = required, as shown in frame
10h37
